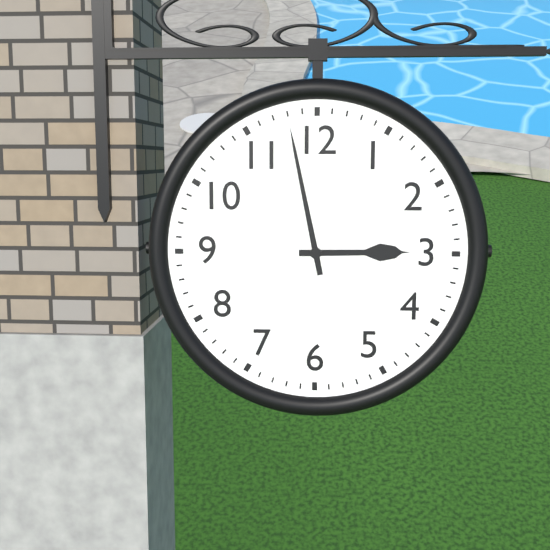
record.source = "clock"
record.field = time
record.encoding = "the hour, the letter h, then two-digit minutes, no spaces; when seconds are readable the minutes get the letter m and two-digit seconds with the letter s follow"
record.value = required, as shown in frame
2h58
